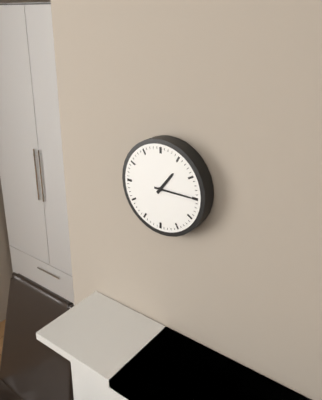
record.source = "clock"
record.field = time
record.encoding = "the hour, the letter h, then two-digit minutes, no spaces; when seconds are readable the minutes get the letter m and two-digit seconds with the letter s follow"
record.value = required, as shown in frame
1h15
